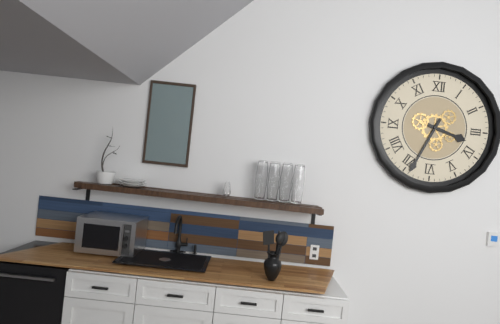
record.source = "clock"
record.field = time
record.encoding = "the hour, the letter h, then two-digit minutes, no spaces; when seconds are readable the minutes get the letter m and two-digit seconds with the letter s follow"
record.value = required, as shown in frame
3h34
